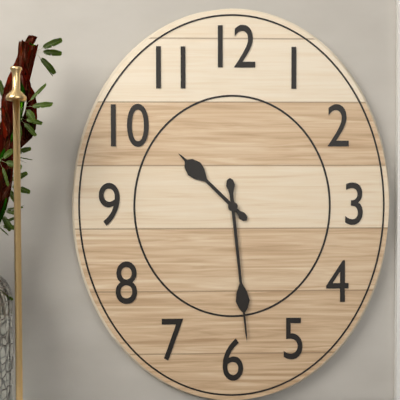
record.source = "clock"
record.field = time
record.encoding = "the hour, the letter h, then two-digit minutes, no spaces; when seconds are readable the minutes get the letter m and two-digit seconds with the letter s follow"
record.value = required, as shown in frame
10h29
